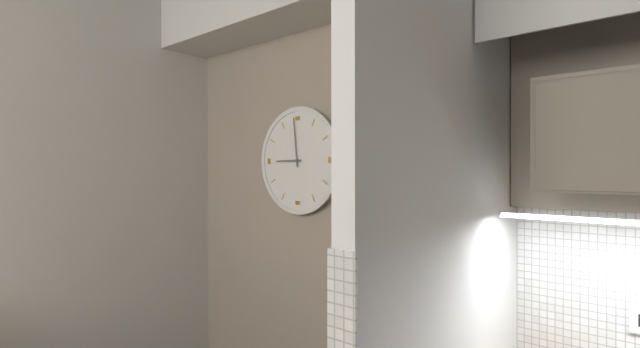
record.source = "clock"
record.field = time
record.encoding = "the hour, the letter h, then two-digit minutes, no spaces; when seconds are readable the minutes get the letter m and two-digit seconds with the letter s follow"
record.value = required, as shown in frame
8h59
